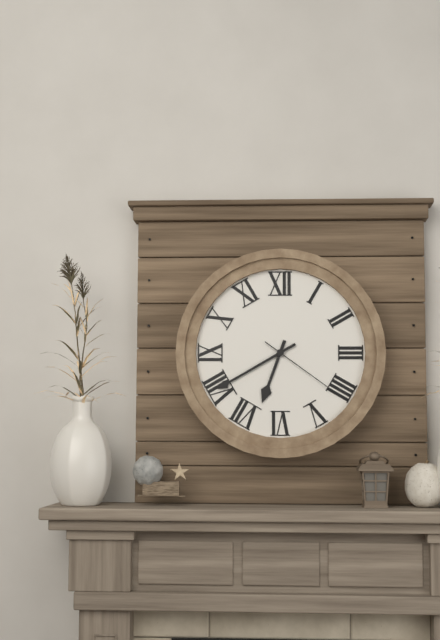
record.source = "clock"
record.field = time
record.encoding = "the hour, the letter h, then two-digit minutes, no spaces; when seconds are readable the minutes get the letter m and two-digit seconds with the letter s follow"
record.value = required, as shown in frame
6h40m21s
